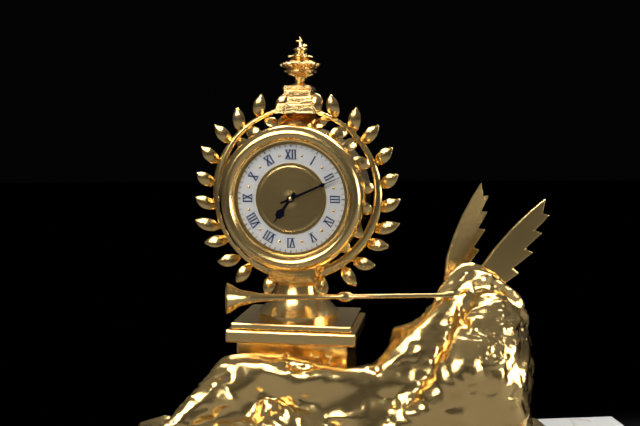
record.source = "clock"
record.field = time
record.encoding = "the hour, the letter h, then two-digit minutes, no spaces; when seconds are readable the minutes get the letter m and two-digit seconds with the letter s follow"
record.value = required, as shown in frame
7h11
